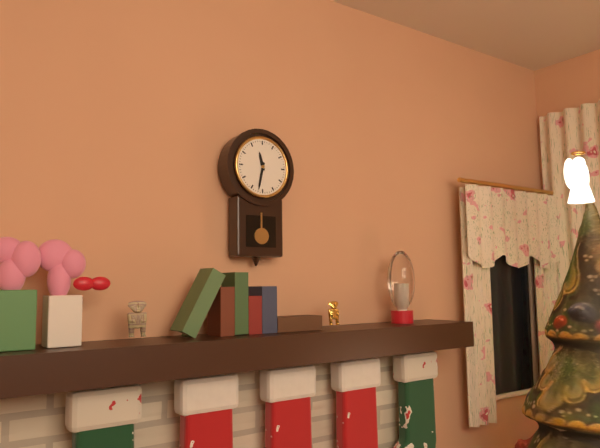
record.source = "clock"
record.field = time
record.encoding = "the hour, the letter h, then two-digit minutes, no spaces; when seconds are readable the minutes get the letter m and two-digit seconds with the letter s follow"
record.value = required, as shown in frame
11h32
